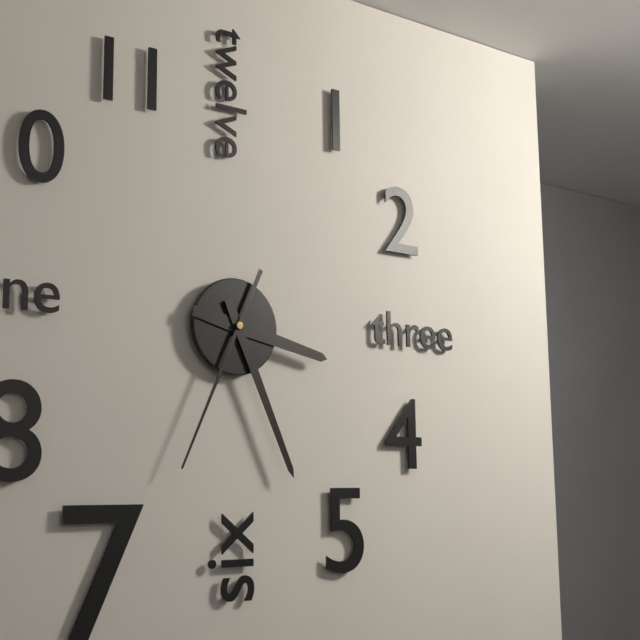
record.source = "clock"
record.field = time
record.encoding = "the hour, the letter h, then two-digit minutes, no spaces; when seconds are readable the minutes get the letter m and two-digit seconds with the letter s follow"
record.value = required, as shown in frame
3h26m34s
